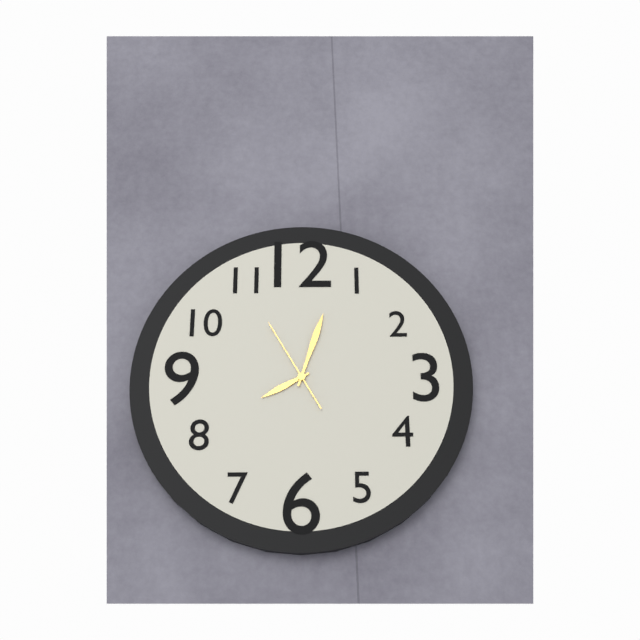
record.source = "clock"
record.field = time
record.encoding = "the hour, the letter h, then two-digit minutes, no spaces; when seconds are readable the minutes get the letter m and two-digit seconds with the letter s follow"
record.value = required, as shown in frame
8h03m55s
